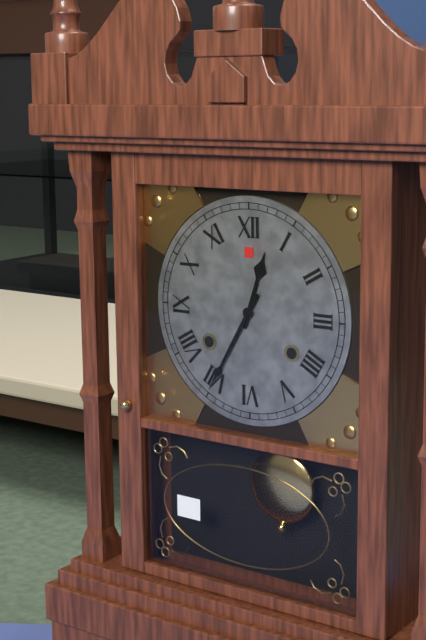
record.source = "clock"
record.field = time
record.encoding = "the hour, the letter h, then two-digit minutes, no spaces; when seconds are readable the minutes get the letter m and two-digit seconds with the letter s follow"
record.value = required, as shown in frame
12h35
